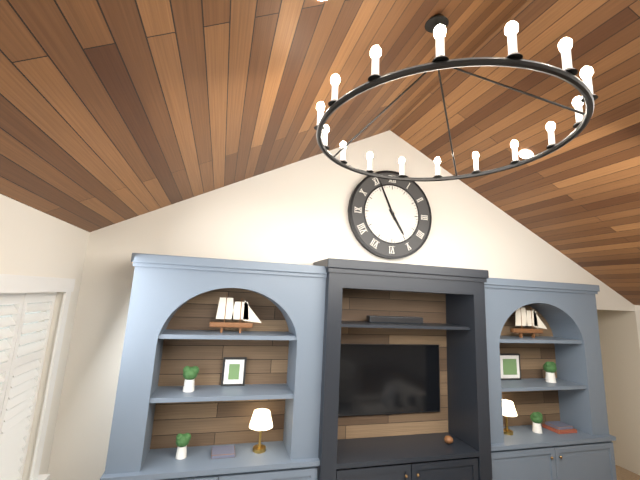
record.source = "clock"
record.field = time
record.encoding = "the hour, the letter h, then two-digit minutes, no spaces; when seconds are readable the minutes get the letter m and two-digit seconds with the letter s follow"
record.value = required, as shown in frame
4h56
